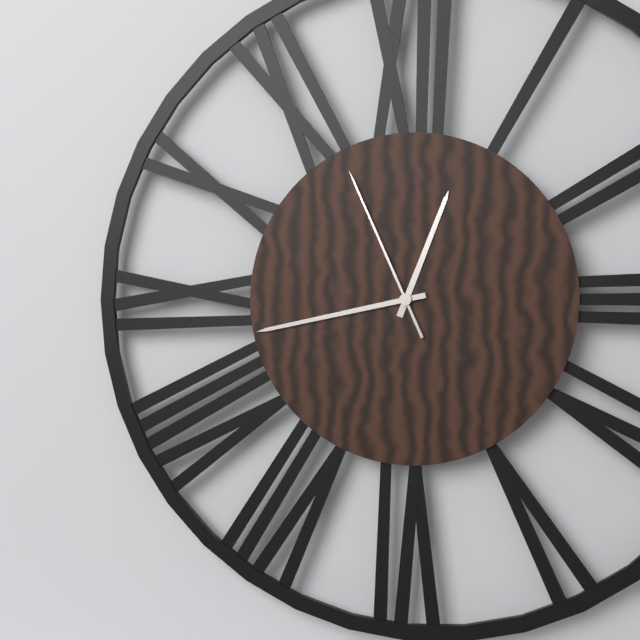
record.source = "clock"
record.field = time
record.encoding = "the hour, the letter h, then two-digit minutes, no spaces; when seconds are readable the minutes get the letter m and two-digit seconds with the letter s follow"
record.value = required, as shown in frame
12h43m56s
